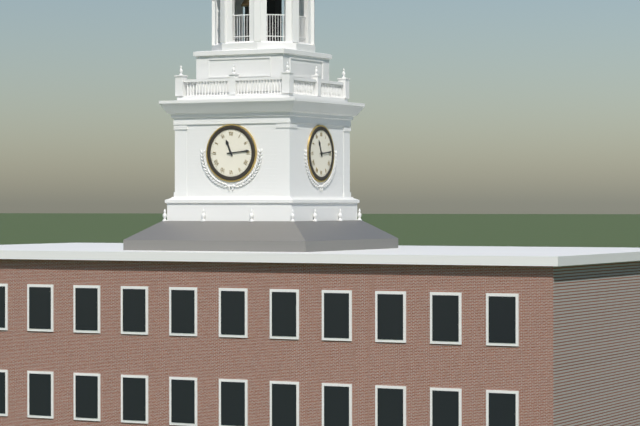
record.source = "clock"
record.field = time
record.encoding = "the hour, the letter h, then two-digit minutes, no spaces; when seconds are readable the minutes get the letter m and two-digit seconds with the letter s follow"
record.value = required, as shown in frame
11h14
